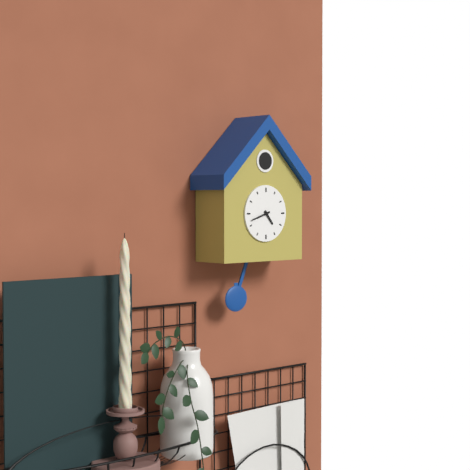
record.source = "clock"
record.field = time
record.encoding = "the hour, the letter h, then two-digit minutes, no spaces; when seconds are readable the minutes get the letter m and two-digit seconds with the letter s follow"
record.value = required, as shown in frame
4h42
